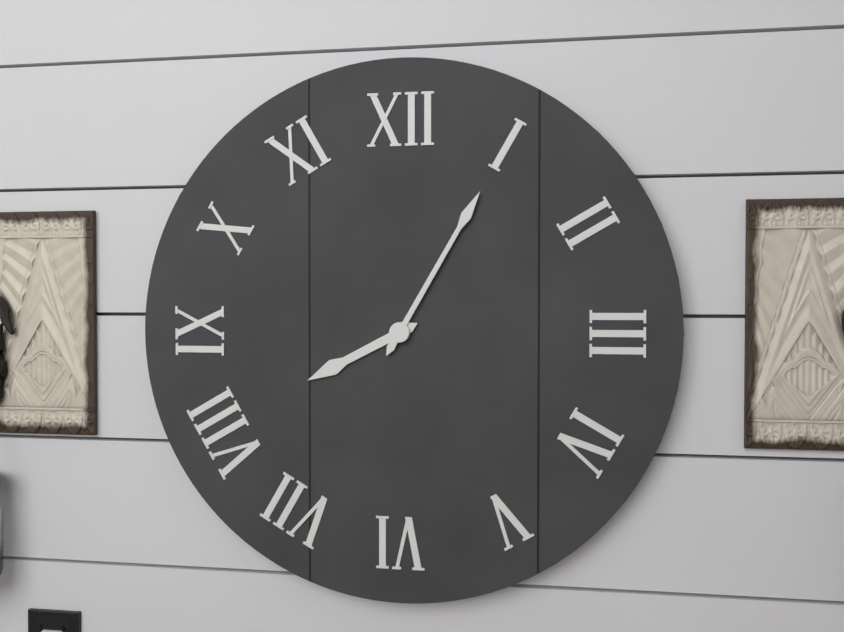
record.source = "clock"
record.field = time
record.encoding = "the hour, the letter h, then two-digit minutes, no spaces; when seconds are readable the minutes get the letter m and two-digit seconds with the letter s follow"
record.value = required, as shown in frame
8h05
